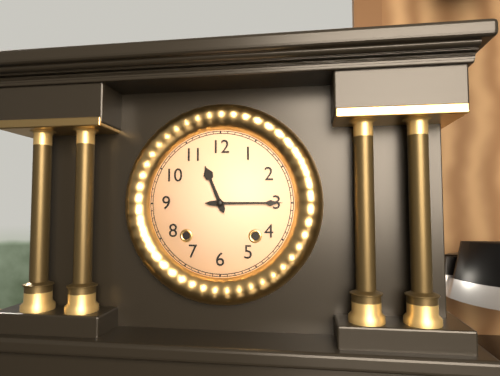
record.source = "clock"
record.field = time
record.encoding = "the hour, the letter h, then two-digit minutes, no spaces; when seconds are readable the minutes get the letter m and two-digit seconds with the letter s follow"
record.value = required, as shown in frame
11h15
